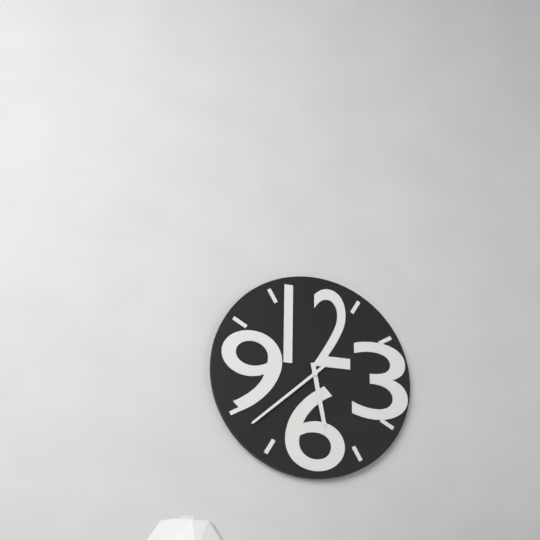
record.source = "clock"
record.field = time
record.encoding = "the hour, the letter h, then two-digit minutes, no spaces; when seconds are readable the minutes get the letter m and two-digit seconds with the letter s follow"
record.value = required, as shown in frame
5h38
